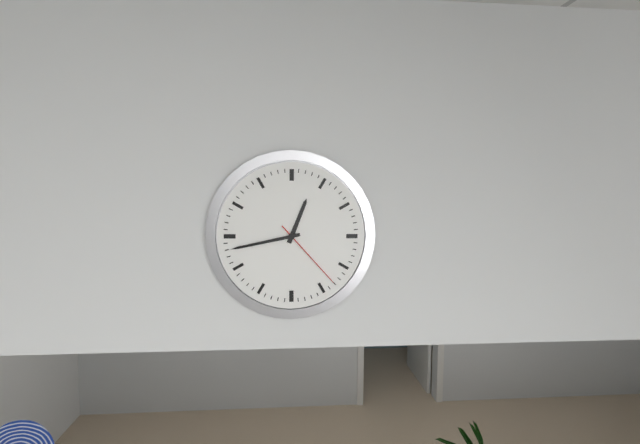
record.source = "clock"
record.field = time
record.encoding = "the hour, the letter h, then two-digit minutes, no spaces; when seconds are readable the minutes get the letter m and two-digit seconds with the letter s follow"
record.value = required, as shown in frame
12h43m23s
